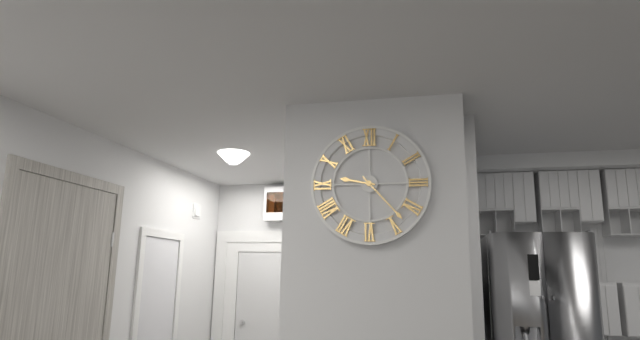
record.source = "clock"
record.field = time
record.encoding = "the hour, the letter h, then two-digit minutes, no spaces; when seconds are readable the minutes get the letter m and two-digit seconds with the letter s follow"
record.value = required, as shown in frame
9h23
